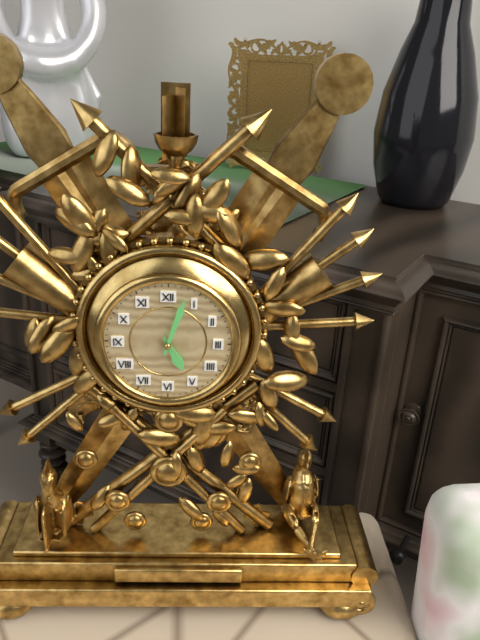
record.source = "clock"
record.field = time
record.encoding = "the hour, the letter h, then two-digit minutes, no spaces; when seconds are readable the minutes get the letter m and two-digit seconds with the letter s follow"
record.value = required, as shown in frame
5h03
